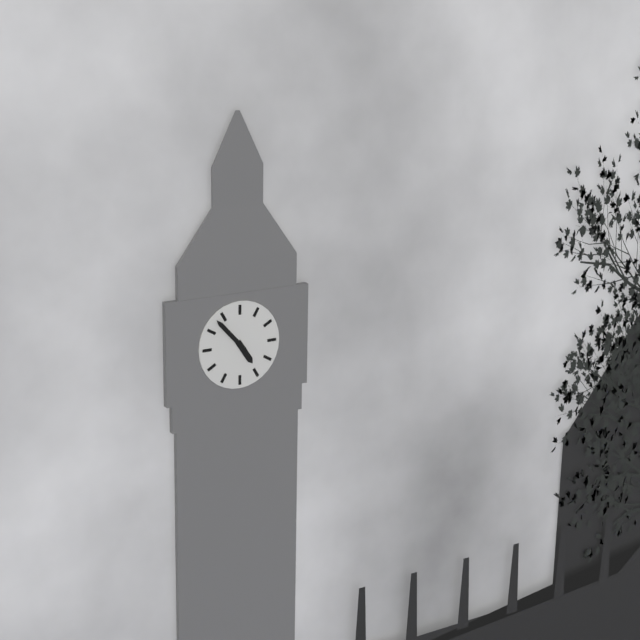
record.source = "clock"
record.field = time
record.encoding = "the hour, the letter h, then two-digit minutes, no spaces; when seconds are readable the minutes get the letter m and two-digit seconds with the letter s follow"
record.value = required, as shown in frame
4h53
